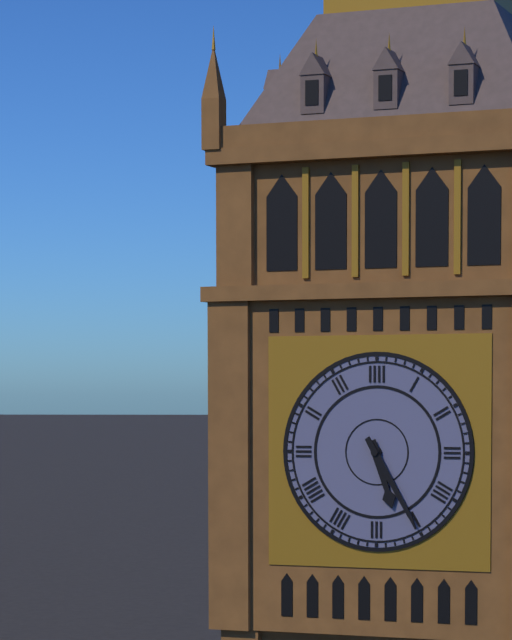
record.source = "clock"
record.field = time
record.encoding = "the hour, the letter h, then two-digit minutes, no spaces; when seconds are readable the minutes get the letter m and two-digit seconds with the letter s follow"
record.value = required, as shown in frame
5h25
